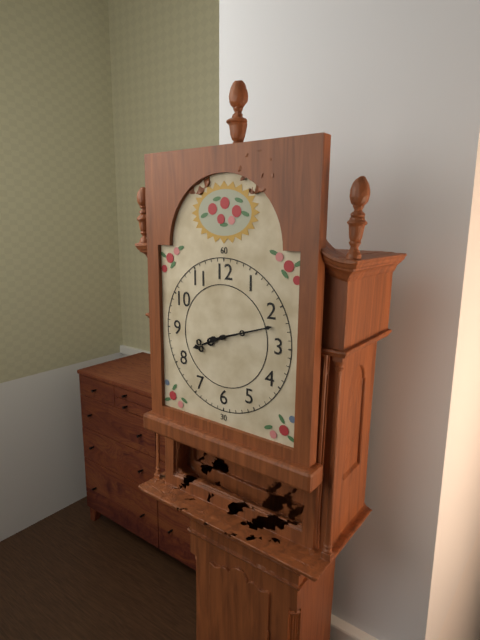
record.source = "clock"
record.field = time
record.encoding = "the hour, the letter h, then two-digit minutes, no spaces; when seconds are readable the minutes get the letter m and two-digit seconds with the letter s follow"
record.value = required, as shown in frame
8h12
